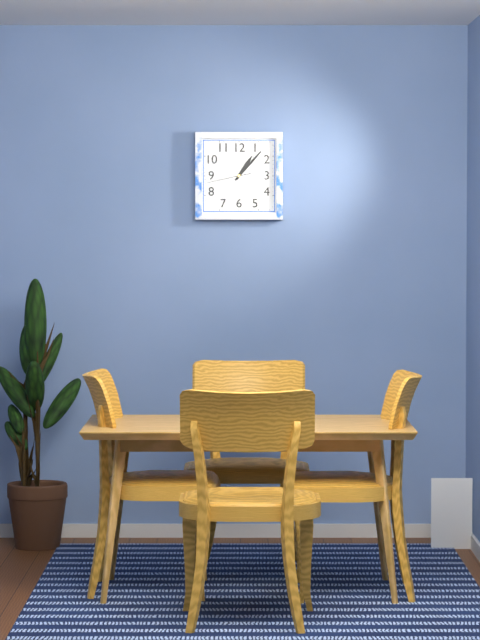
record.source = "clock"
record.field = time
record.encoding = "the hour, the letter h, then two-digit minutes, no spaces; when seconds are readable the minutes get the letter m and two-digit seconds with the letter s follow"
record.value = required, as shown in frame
1h07
